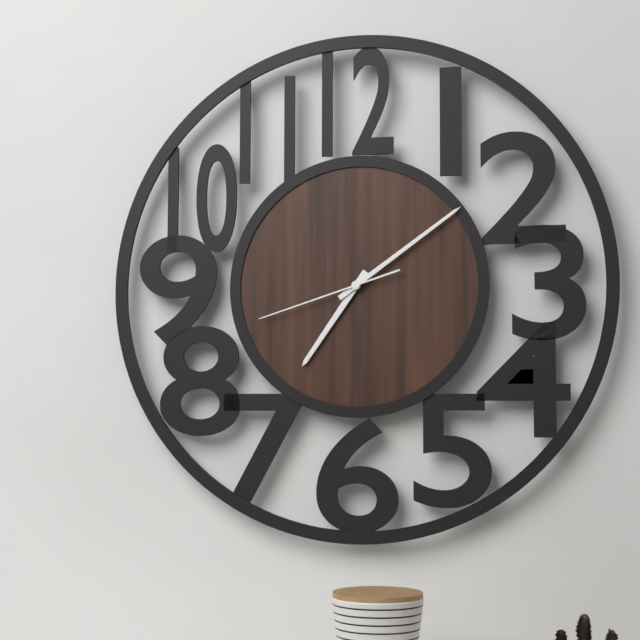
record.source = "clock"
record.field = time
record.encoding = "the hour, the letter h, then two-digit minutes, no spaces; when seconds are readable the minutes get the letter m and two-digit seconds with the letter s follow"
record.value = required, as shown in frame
7h09m42s
